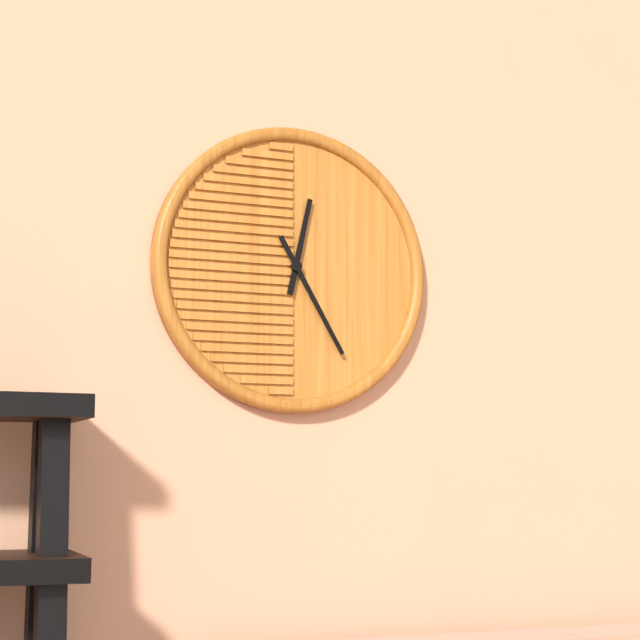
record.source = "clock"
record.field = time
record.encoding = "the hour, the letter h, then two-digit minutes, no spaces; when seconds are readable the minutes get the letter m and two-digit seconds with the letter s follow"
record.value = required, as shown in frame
12h25
